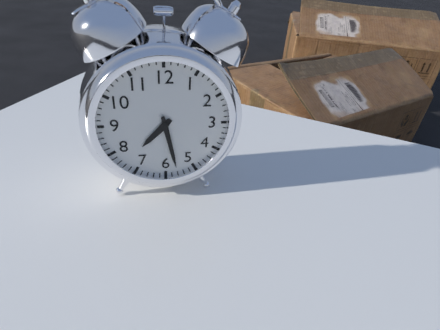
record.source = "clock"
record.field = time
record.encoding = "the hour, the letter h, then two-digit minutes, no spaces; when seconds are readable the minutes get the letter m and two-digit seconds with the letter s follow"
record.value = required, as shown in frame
7h28
